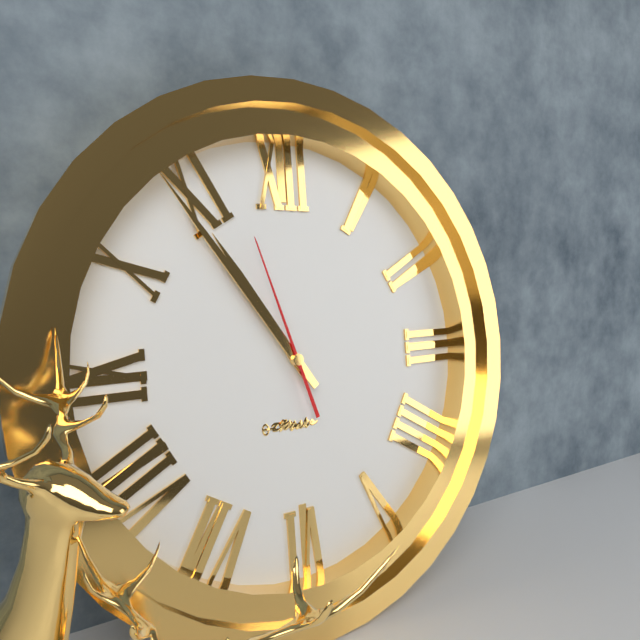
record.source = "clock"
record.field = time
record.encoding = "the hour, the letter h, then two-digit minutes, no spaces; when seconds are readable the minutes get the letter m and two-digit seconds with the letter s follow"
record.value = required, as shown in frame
10h54m57s
